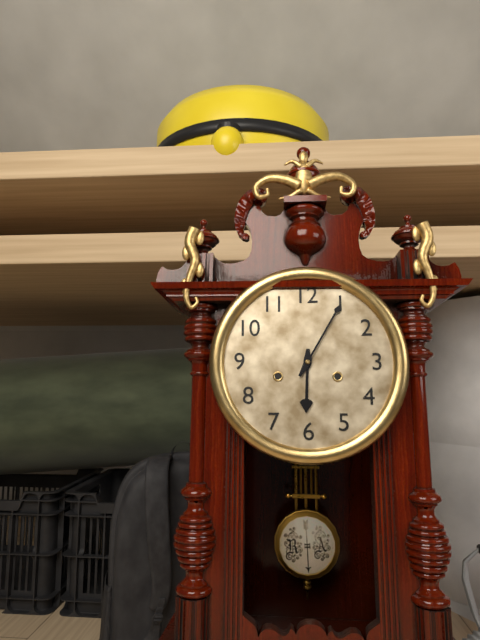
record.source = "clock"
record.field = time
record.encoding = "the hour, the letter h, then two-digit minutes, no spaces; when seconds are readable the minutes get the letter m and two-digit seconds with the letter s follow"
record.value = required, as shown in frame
6h05
